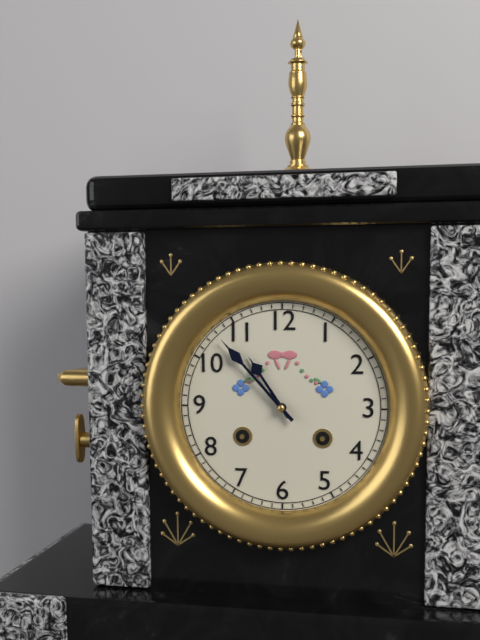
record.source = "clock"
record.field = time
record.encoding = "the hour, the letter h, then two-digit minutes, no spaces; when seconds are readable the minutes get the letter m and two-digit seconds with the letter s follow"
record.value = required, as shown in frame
10h53
